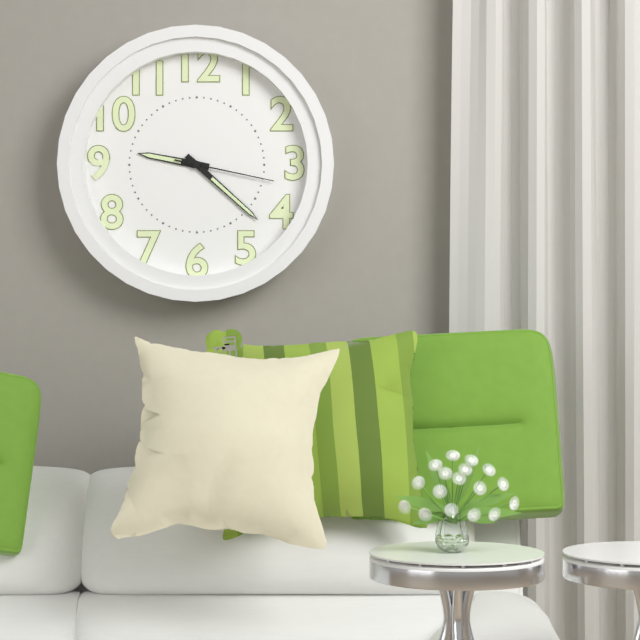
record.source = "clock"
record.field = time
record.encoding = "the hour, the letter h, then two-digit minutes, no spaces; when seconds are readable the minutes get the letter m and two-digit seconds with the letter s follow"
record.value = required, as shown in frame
9h22m17s
